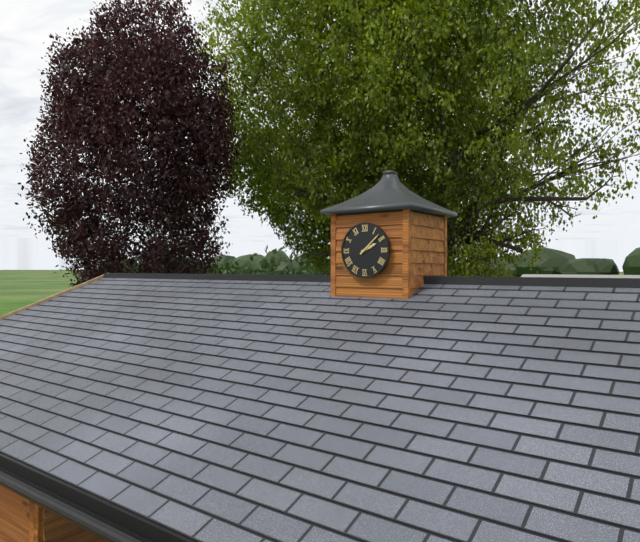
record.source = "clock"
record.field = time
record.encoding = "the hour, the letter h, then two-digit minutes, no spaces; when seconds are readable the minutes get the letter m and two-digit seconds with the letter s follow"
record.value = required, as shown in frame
2h08
